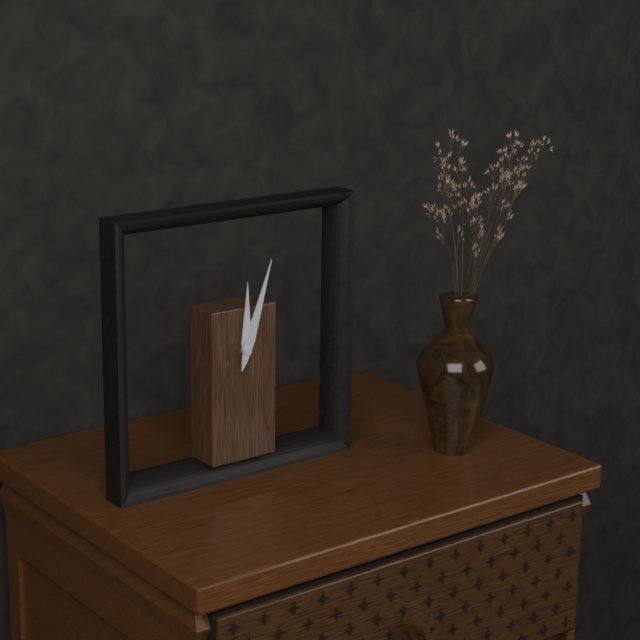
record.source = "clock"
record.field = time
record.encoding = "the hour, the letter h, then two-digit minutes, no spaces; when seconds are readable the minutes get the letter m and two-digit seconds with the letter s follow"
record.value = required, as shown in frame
12h03
